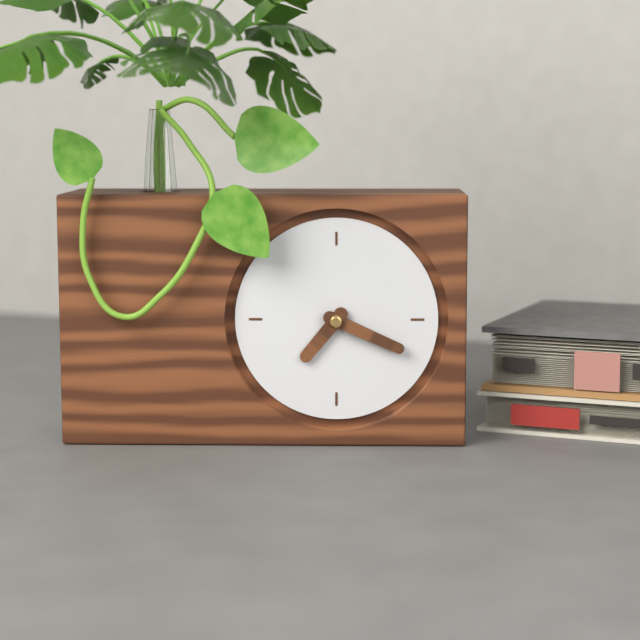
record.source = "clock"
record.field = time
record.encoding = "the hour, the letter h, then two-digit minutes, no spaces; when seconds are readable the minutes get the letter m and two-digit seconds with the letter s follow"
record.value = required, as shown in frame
7h19
